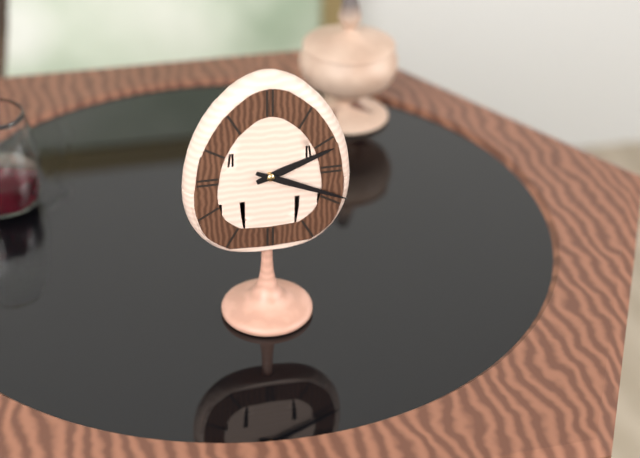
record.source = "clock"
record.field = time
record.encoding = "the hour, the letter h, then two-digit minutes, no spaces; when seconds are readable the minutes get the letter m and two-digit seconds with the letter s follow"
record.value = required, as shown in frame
2h19
